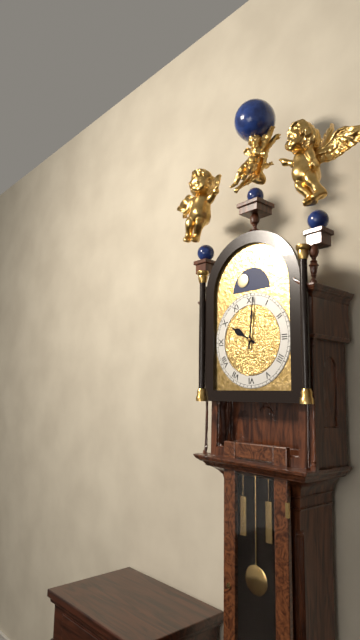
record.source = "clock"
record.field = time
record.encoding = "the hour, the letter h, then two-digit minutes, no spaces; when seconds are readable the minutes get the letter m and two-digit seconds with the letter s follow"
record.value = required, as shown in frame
10h01
